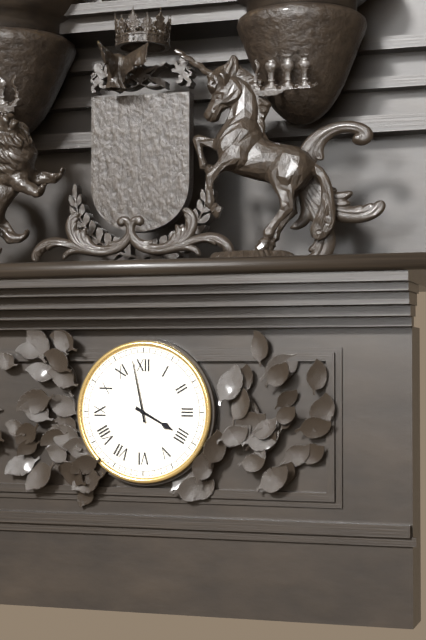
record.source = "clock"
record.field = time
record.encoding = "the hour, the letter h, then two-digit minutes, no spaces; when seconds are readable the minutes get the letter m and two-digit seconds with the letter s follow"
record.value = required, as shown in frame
3h58
